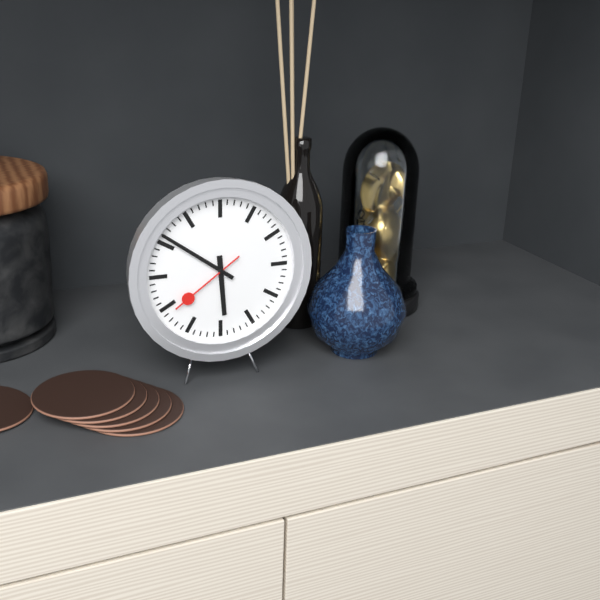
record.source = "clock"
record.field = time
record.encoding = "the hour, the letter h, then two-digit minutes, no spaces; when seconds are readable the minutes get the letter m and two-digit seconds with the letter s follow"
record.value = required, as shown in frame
5h51m39s
